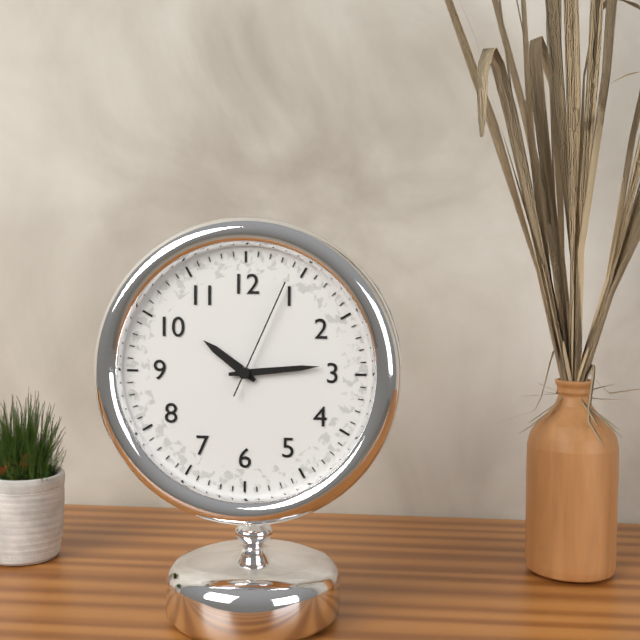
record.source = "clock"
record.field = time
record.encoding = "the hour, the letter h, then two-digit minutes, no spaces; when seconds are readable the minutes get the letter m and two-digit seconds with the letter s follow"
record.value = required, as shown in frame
10h14m04s
